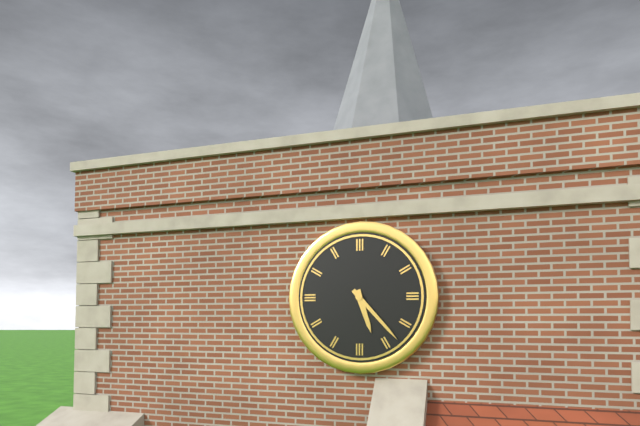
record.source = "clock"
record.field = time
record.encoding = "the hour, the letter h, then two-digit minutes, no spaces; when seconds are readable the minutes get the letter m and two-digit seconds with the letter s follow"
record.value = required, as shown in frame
5h23
